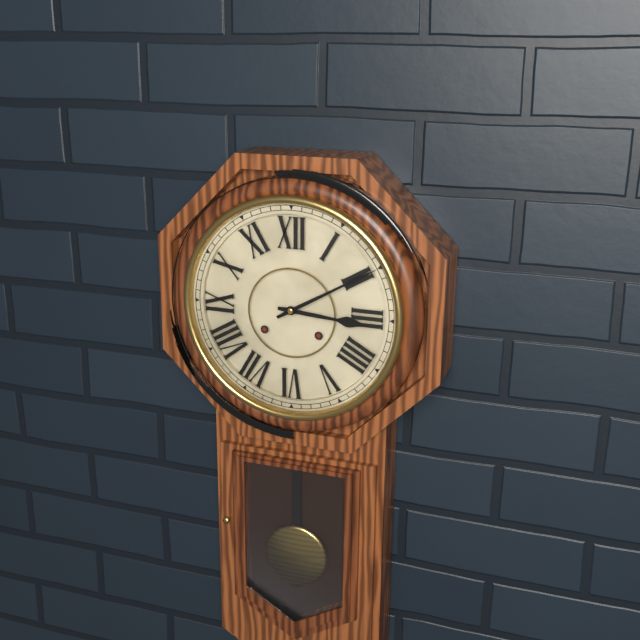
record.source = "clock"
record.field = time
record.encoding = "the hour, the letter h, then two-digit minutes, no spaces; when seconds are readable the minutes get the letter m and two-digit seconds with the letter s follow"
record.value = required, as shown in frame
3h10
